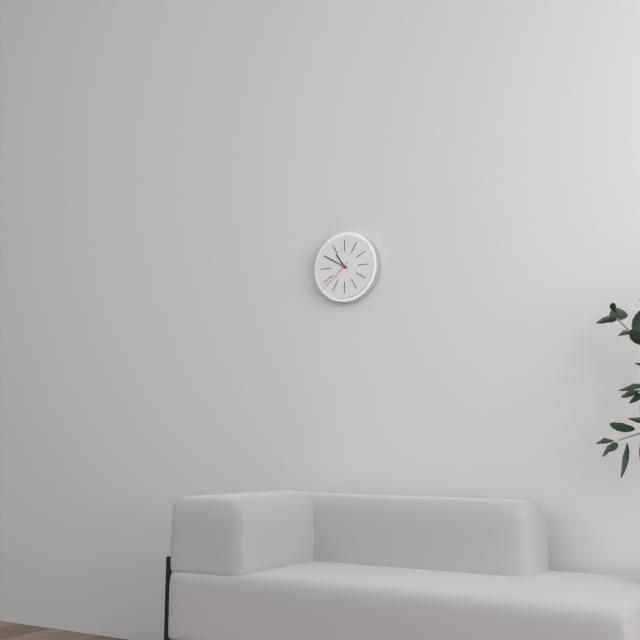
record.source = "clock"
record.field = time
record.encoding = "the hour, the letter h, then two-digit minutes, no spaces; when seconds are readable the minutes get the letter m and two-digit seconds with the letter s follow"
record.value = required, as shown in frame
10h50
